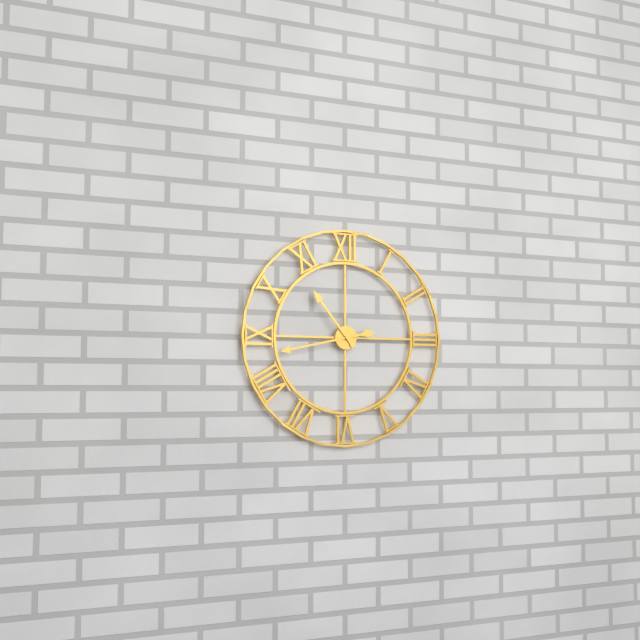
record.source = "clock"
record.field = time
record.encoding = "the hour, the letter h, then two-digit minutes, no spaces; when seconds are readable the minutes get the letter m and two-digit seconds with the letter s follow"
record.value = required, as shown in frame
10h43
